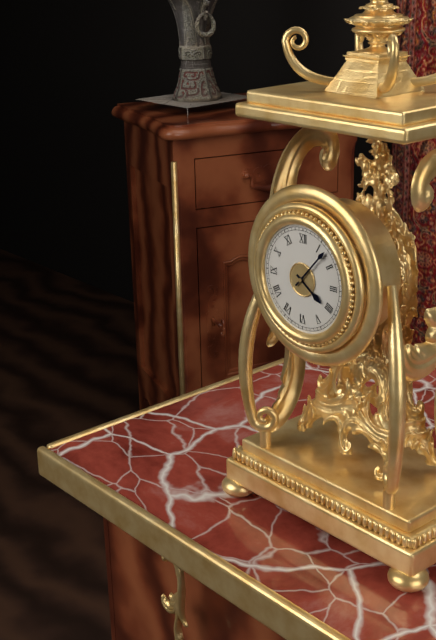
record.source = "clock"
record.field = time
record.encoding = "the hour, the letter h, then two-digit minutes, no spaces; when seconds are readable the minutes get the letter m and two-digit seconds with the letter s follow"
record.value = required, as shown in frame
4h07
